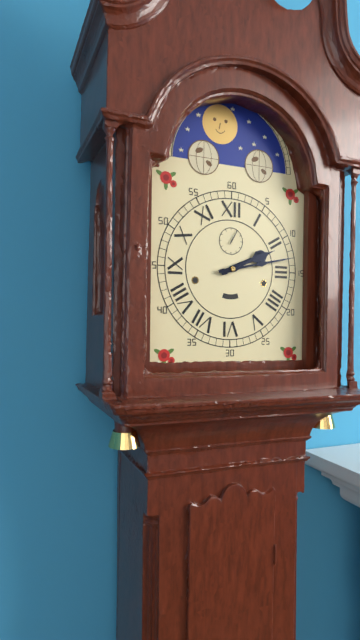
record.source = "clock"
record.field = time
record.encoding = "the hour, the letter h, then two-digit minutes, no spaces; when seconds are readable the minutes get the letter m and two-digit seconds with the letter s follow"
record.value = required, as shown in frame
2h13
